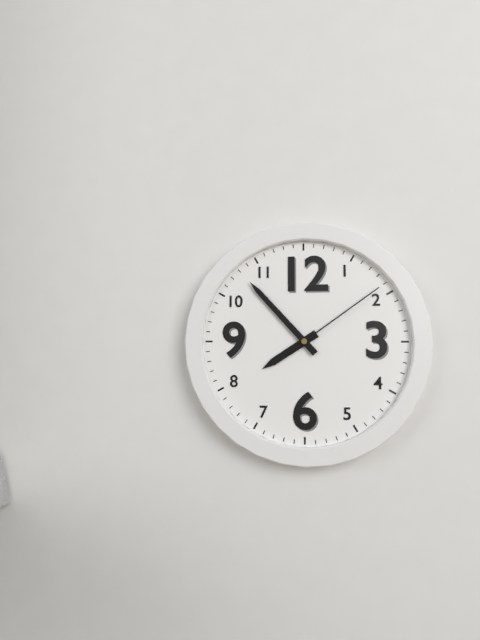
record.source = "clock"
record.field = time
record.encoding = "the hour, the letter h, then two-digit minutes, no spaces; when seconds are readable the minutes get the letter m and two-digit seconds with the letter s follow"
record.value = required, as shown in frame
7h53m09s
